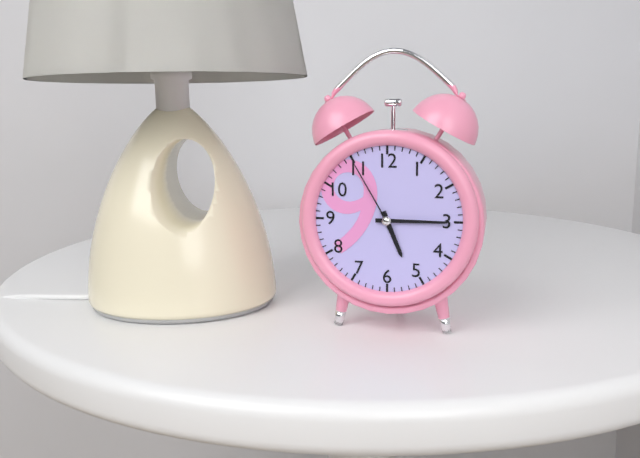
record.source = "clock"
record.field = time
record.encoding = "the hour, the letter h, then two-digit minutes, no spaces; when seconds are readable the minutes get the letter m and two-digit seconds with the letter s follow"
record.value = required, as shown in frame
5h15m55s
